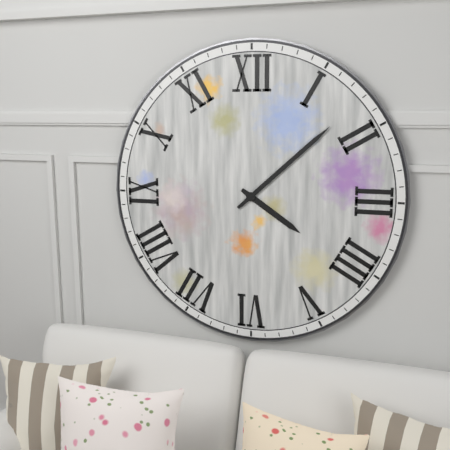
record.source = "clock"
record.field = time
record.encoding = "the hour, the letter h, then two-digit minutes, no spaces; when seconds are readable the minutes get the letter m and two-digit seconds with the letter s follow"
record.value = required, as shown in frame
4h08
